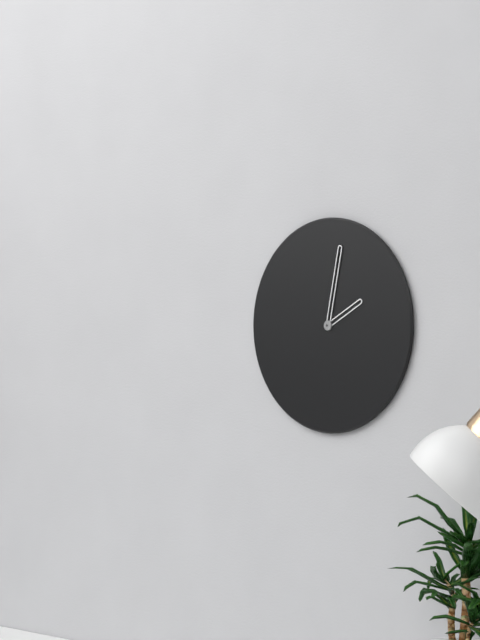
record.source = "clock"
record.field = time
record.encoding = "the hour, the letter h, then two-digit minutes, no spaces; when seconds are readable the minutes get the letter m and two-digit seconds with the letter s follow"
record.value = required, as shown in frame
2h02
